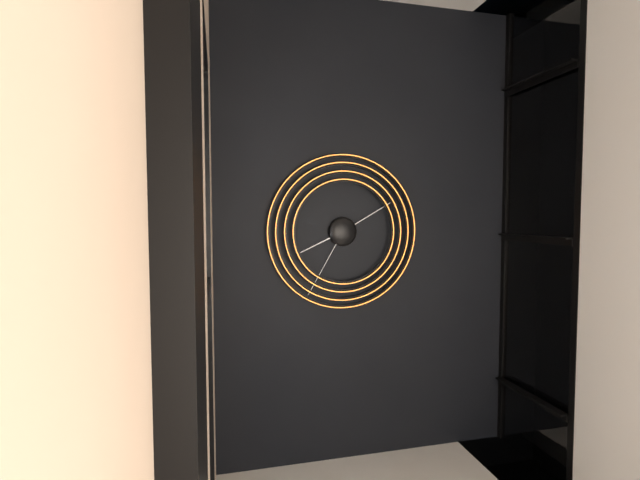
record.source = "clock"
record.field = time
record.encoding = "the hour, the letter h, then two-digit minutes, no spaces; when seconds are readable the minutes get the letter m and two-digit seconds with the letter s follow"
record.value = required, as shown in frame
8h10m35s
